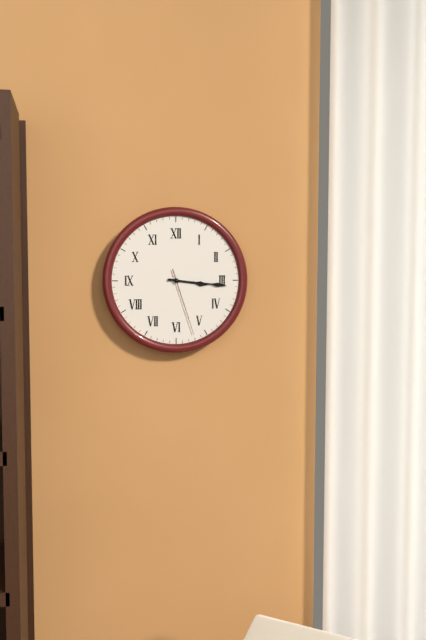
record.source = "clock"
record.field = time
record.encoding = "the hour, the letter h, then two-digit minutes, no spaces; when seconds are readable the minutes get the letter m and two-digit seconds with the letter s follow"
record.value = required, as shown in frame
3h16m27s
